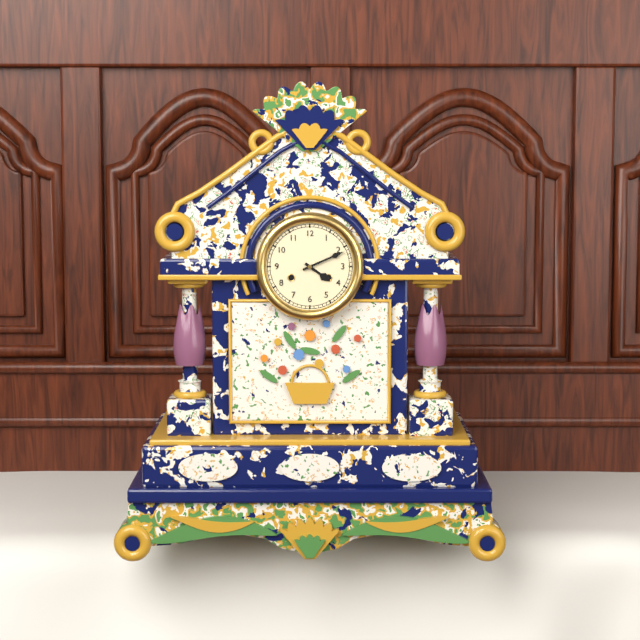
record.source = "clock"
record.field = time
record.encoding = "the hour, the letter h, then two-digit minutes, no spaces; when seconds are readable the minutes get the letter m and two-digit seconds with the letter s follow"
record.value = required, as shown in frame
4h11
